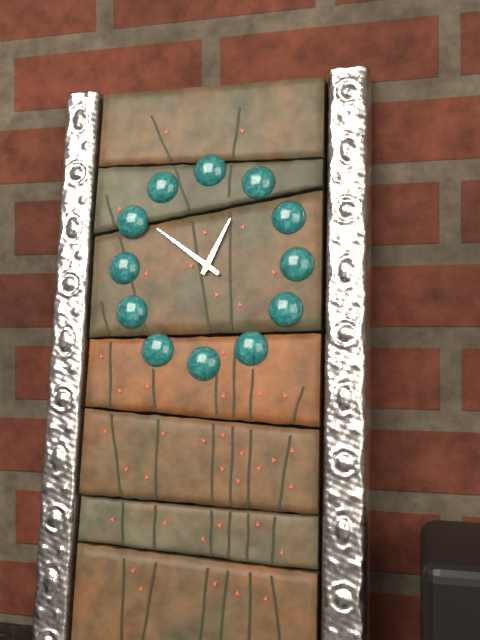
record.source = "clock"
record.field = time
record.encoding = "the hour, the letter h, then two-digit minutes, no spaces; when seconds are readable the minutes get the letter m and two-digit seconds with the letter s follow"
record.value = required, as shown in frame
12h51
